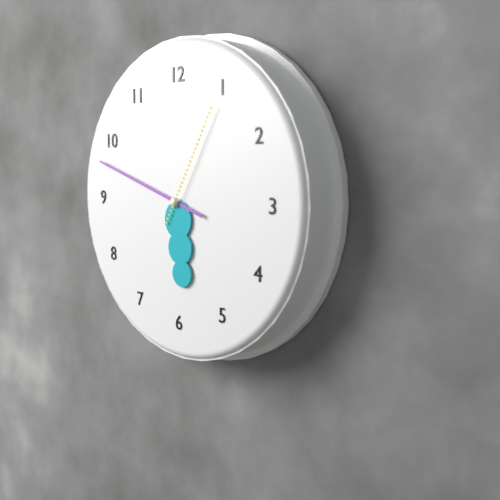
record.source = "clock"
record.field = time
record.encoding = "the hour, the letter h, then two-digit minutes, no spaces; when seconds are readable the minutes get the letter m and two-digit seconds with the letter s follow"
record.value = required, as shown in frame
5h48m05s
